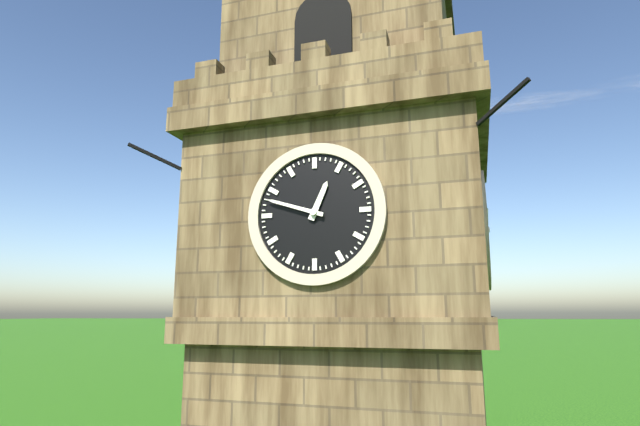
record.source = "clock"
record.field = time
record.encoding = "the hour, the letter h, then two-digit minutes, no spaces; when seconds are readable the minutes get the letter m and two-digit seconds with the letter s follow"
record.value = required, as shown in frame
12h48
